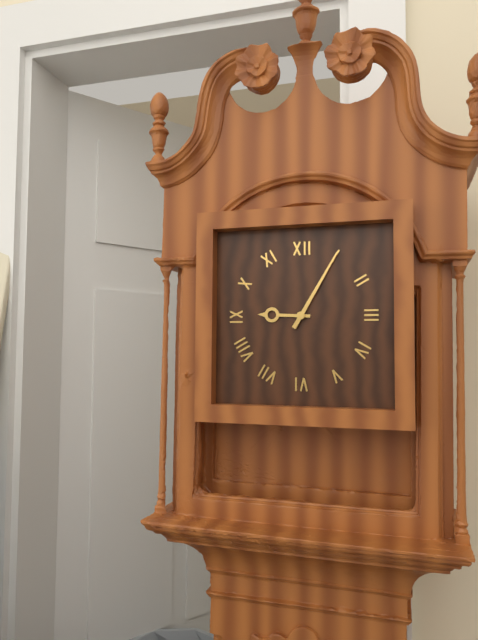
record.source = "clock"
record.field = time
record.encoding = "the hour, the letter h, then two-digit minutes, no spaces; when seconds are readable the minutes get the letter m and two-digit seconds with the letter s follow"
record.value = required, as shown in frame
9h05
